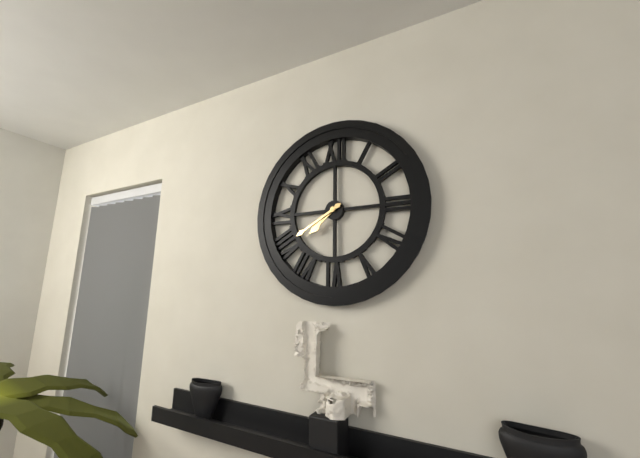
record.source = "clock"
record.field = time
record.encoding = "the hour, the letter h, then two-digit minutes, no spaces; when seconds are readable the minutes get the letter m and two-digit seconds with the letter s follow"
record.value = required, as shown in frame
7h40
